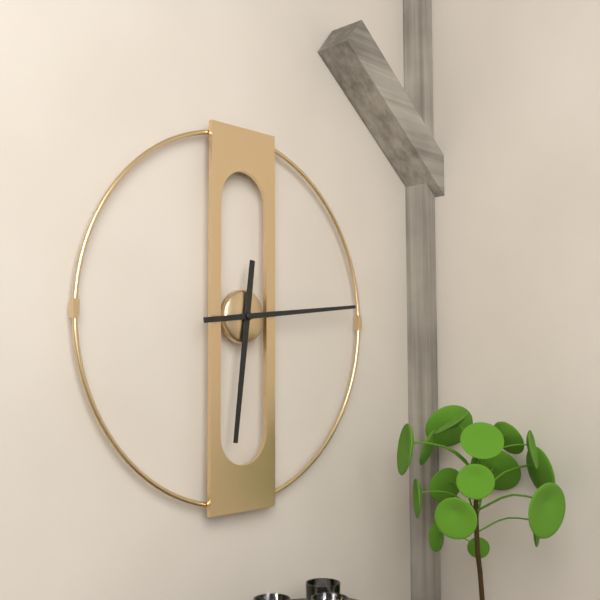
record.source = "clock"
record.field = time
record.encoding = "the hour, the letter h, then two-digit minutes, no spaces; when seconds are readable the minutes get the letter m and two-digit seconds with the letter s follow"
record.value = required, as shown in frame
6h14
